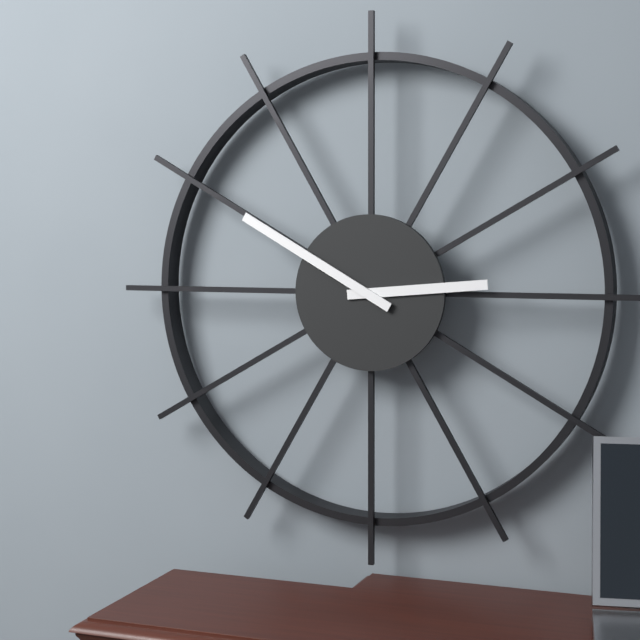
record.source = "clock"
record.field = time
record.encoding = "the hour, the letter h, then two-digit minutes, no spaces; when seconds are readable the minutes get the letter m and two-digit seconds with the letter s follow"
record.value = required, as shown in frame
2h50
